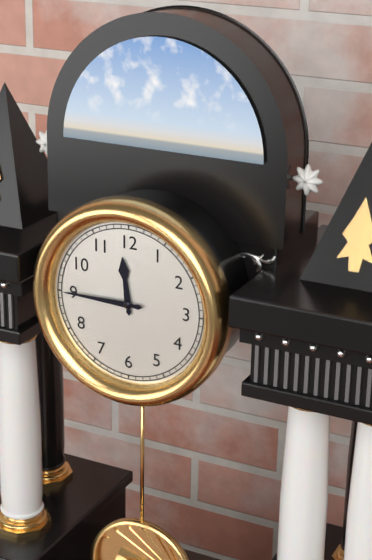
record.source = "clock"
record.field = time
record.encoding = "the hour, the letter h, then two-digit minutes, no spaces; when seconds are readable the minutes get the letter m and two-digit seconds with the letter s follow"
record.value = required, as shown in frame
11h45
